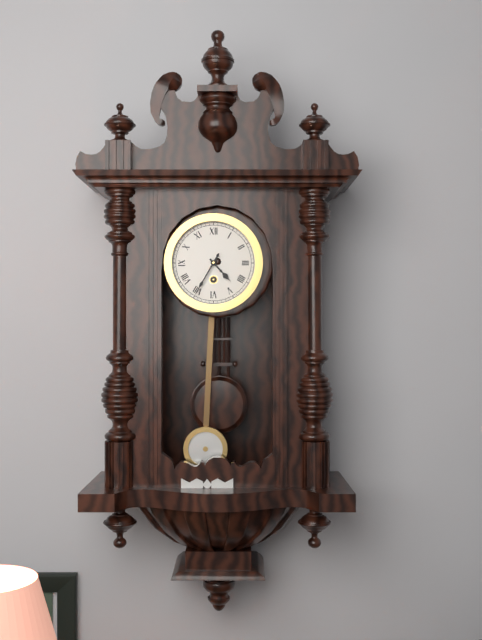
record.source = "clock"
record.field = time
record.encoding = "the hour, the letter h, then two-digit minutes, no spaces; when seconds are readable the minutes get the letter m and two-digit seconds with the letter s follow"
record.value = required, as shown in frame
4h35
